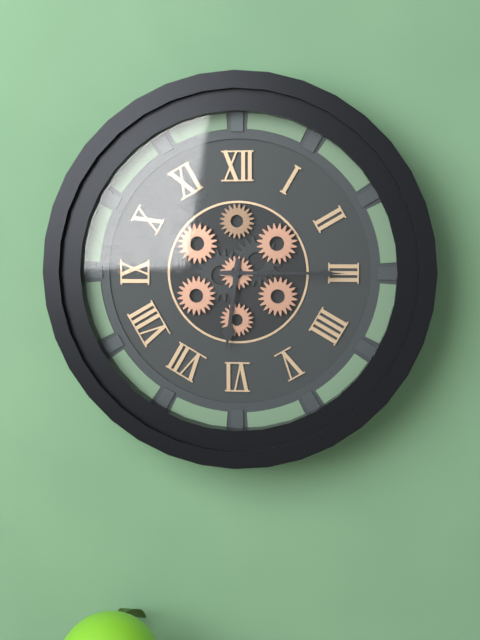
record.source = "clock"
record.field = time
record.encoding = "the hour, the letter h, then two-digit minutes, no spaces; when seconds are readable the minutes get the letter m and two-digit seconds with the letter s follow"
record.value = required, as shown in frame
6h15
